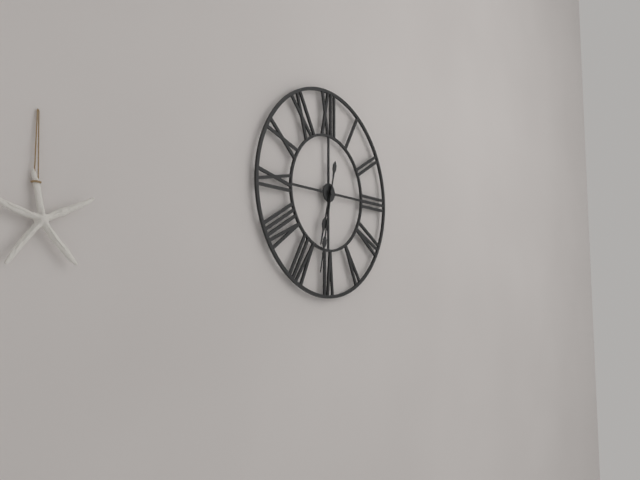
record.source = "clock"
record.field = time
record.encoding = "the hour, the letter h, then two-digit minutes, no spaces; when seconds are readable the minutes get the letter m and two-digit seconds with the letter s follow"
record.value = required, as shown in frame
6h32
